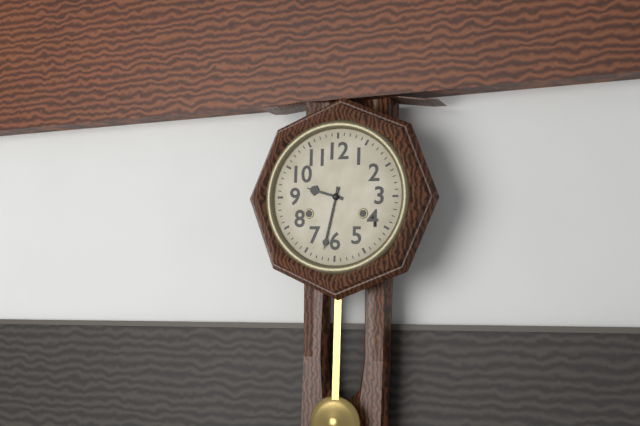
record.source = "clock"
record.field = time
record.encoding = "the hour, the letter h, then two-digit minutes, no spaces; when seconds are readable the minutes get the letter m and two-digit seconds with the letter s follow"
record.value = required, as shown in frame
9h32
